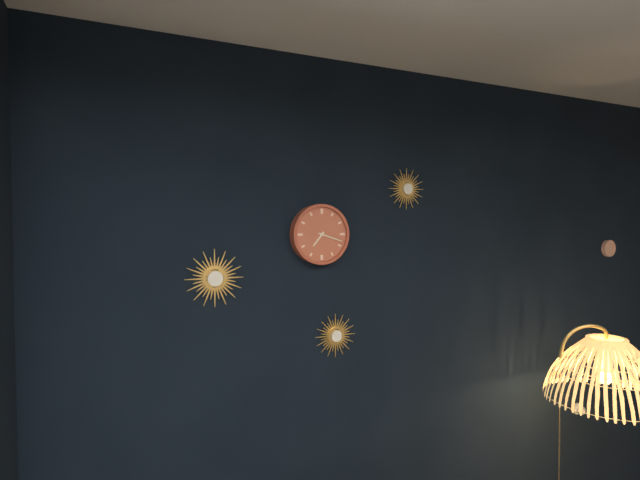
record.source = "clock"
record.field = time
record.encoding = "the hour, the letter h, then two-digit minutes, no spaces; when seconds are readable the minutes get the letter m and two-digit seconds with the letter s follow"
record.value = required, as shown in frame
7h18
